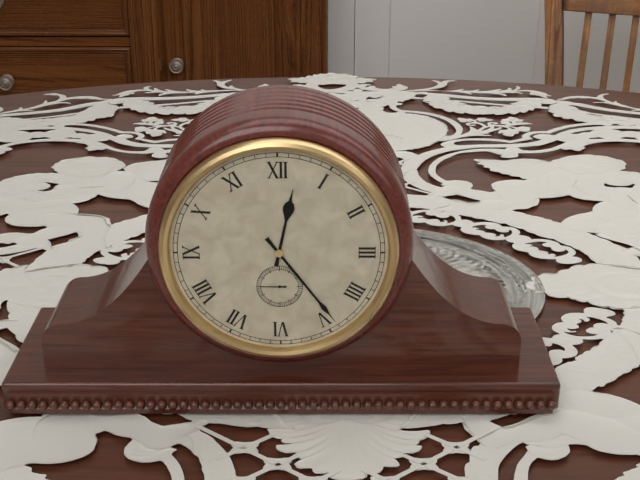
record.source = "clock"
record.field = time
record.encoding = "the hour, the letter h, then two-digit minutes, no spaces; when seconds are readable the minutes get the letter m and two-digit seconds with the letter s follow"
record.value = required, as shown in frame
12h24
